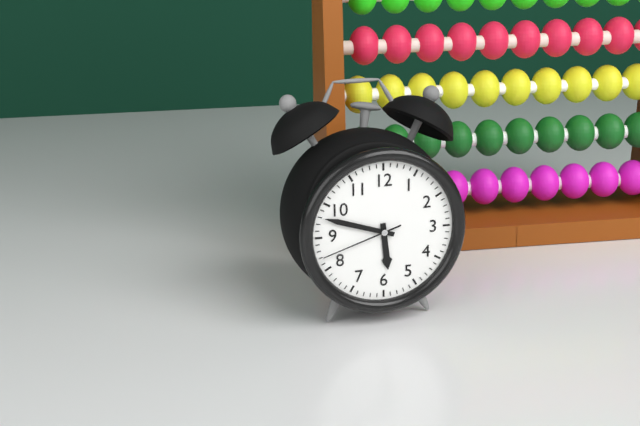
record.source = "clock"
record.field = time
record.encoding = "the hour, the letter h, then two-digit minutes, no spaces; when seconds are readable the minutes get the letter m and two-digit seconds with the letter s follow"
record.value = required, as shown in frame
5h48m42s
